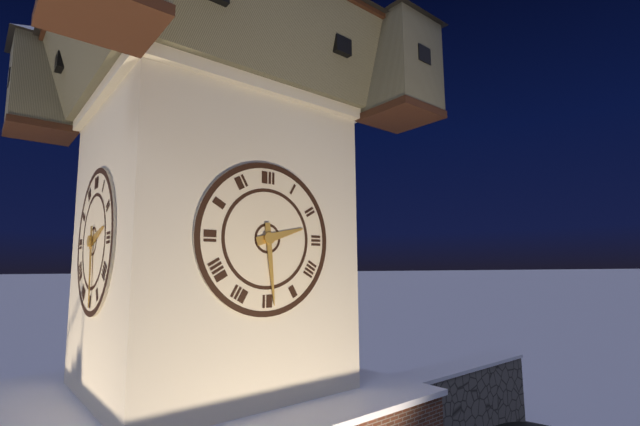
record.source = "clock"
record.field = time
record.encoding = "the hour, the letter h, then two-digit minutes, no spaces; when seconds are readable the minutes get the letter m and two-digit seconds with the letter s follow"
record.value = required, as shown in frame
2h29
